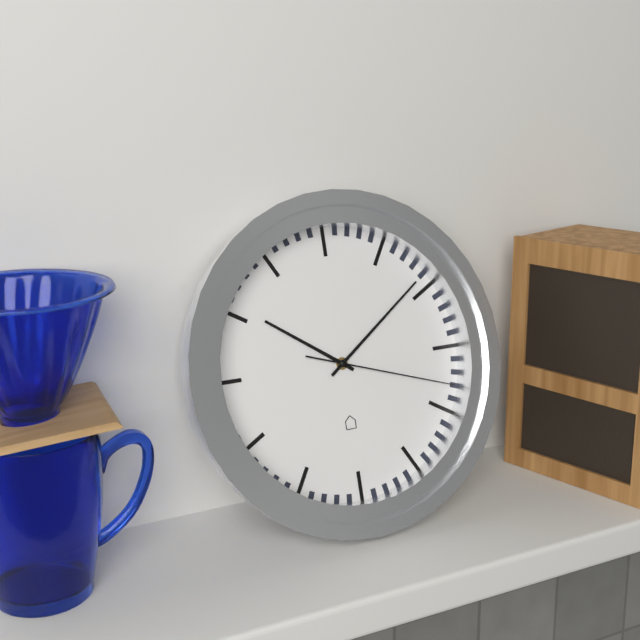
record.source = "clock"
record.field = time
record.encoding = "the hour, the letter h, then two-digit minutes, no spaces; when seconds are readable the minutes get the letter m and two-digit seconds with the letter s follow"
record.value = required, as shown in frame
10h09m18s
